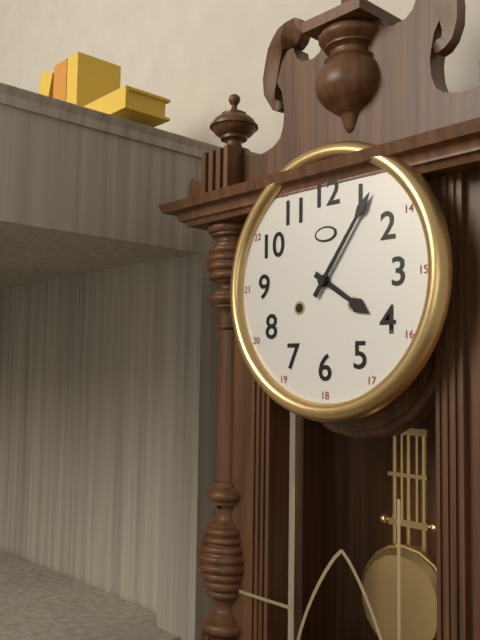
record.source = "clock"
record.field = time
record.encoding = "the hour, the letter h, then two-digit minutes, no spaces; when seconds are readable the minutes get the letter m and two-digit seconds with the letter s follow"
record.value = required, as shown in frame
4h06
